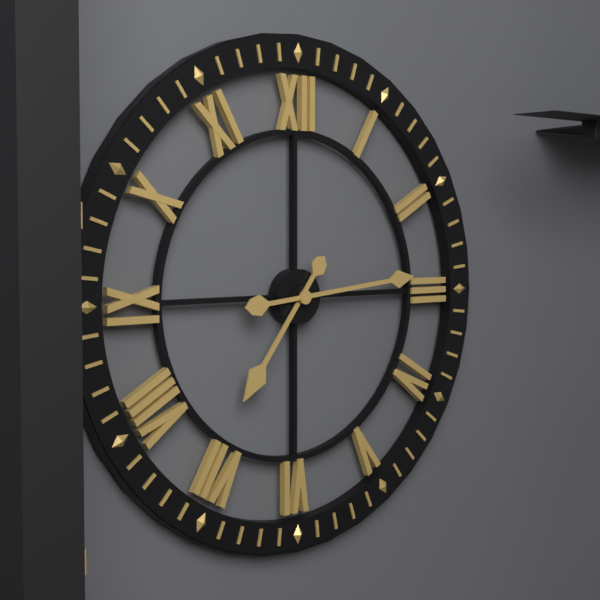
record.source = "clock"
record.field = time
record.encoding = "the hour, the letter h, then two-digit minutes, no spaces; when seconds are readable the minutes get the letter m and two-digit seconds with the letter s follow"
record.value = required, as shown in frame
7h14
